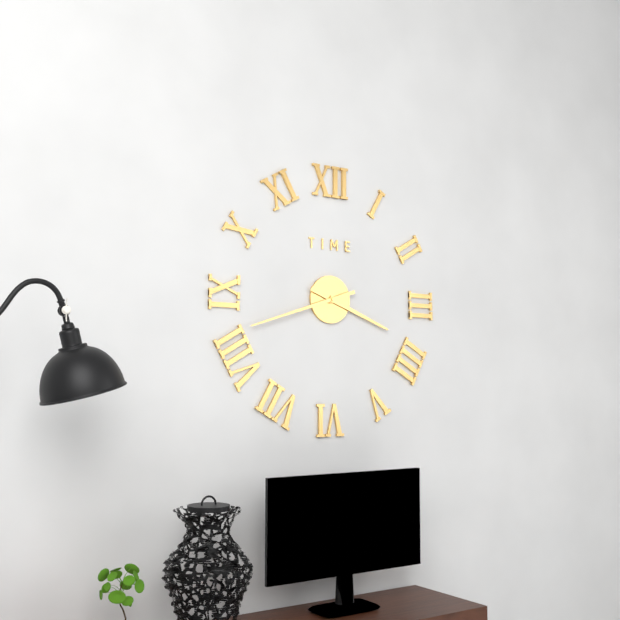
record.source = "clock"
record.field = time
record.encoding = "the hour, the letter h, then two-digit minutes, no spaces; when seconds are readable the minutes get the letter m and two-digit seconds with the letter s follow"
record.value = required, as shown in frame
3h42
